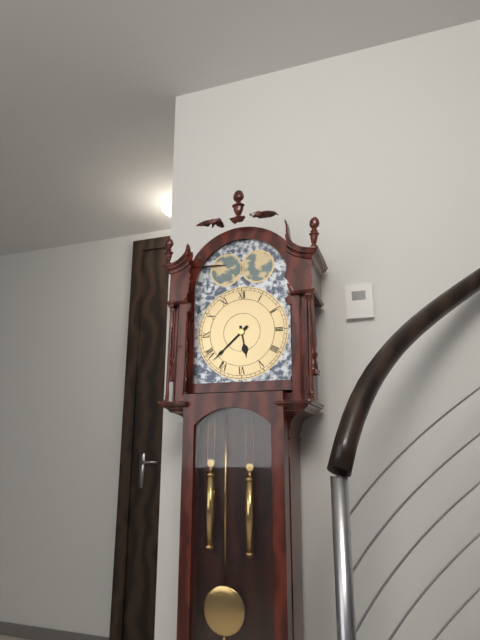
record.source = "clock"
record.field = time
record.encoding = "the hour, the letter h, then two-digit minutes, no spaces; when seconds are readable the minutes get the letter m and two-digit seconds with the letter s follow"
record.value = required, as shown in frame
5h38
